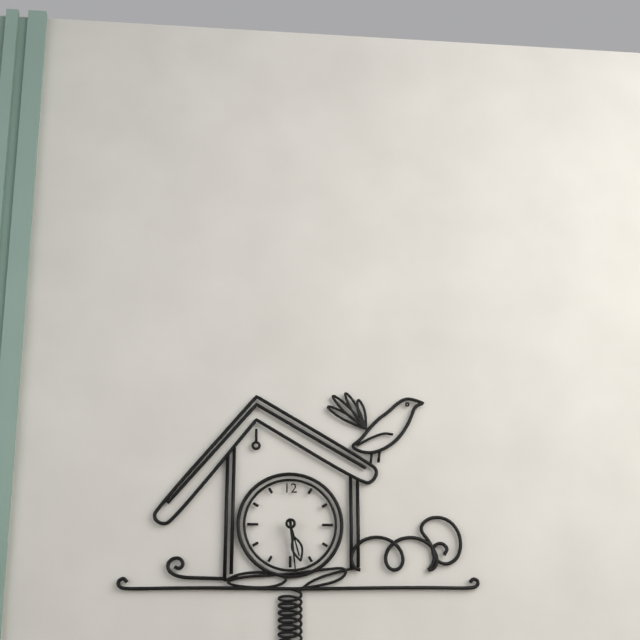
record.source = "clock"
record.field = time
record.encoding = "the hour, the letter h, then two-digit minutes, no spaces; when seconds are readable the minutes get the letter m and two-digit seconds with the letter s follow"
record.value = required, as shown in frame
5h29
